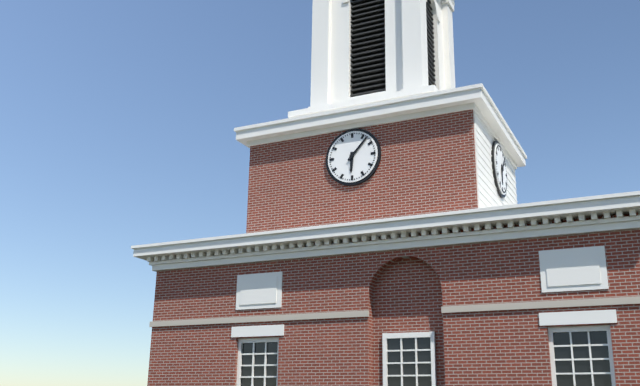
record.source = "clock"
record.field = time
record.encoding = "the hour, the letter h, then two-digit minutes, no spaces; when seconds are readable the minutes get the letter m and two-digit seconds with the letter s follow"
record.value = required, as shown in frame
6h07
